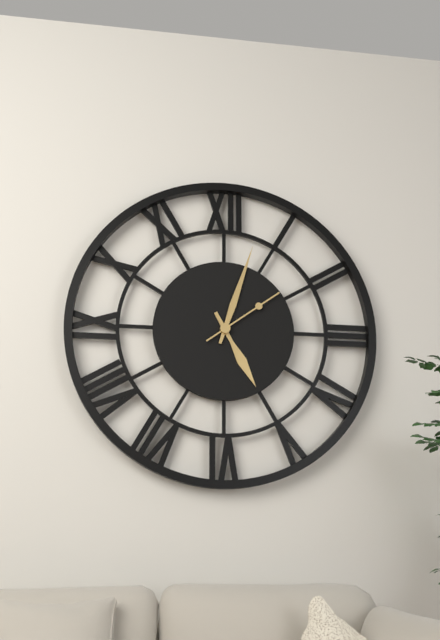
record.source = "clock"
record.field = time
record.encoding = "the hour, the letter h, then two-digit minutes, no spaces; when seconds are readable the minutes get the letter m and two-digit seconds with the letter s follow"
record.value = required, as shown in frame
5h03m09s
